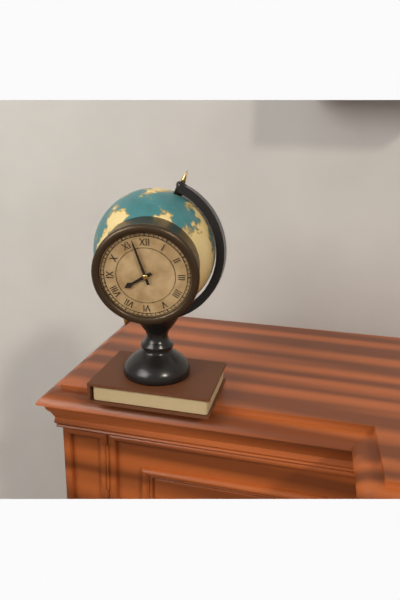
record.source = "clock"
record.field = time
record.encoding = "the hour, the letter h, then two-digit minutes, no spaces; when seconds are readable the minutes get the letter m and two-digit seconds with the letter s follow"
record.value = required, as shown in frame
7h57
